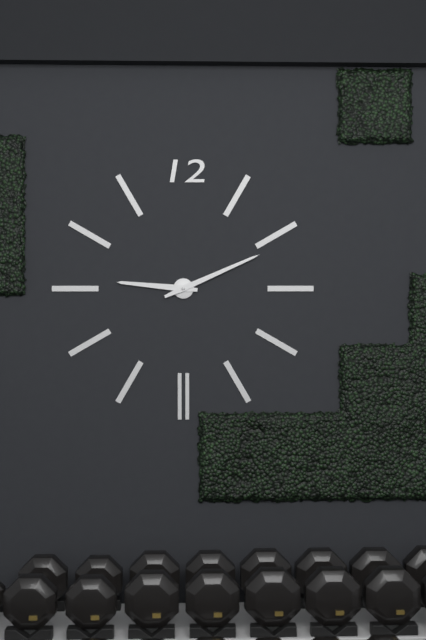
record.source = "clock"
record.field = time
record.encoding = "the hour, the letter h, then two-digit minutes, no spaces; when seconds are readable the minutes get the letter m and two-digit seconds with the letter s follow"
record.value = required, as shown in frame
9h11
